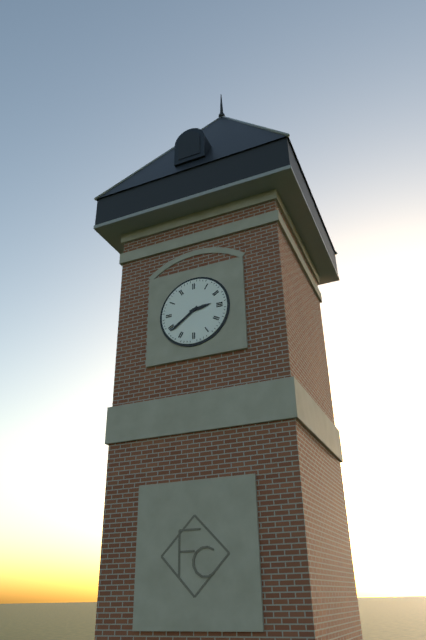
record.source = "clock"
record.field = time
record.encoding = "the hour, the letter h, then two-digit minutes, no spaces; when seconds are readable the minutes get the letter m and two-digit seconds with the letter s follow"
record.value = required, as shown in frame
2h39
